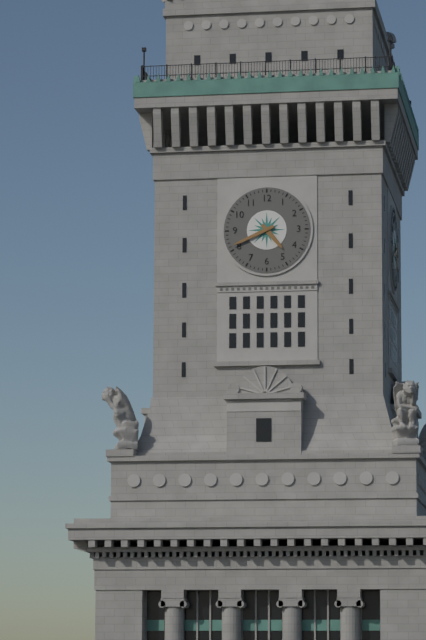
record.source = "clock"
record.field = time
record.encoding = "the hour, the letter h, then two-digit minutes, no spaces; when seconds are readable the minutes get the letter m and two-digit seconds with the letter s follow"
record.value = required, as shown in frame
4h41
